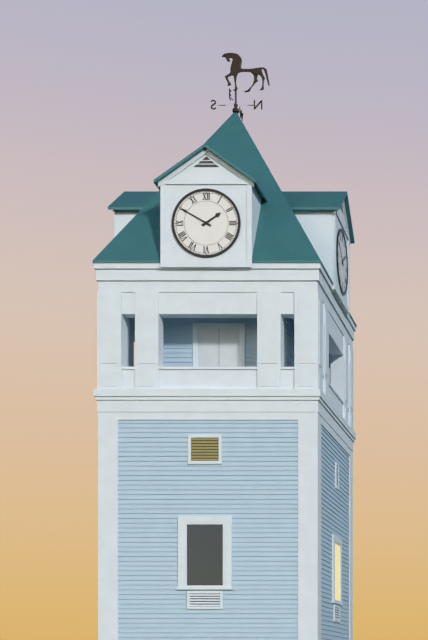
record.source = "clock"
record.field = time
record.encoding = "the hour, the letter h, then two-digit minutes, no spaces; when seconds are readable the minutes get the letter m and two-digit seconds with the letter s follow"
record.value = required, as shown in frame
1h50
